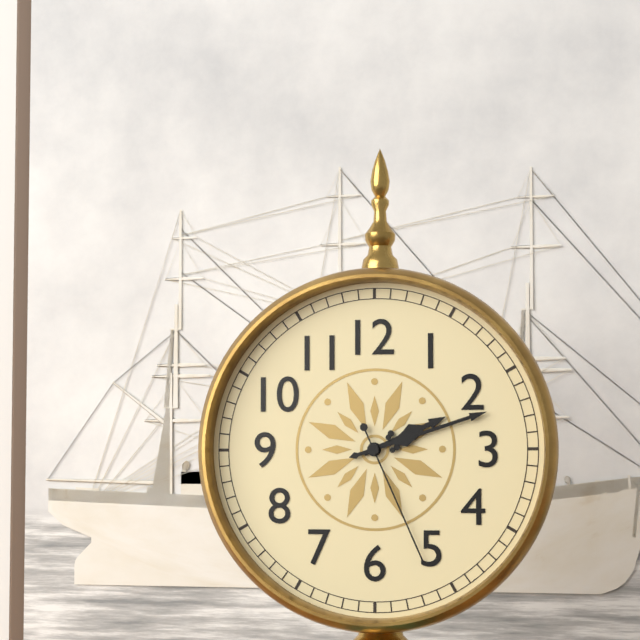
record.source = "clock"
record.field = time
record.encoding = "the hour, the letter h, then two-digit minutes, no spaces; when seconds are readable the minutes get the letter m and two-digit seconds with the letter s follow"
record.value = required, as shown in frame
2h12m26s
